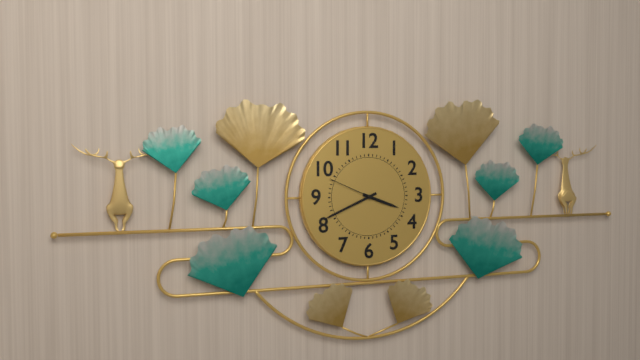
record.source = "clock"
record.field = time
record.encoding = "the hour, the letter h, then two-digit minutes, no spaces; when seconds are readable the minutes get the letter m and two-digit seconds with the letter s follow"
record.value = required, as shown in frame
3h41m49s
